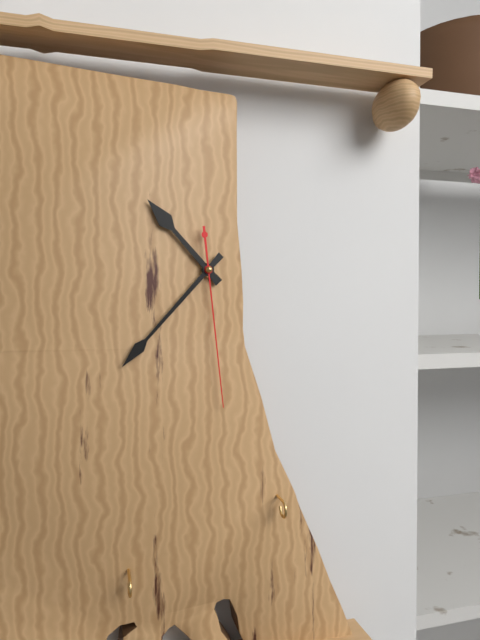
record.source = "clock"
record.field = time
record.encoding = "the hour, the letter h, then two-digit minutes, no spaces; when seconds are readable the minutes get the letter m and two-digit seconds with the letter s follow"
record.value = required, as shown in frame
10h37m29s
